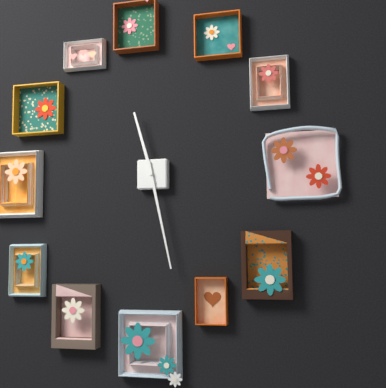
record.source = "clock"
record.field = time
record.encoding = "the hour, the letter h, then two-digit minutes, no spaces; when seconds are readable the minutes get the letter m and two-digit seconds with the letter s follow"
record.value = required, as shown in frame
11h28
